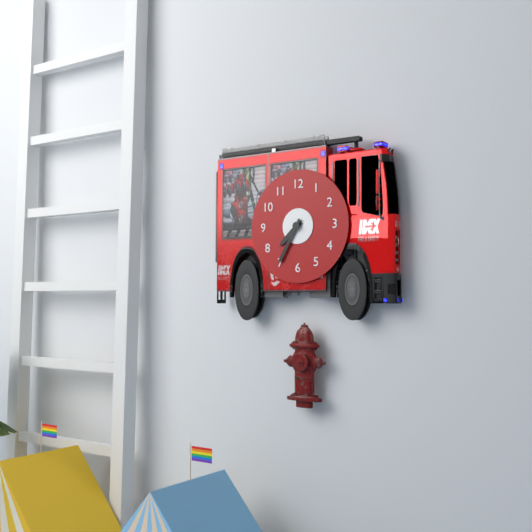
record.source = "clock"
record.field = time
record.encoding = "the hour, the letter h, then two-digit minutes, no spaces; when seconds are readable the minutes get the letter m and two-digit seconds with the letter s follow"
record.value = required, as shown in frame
7h35
